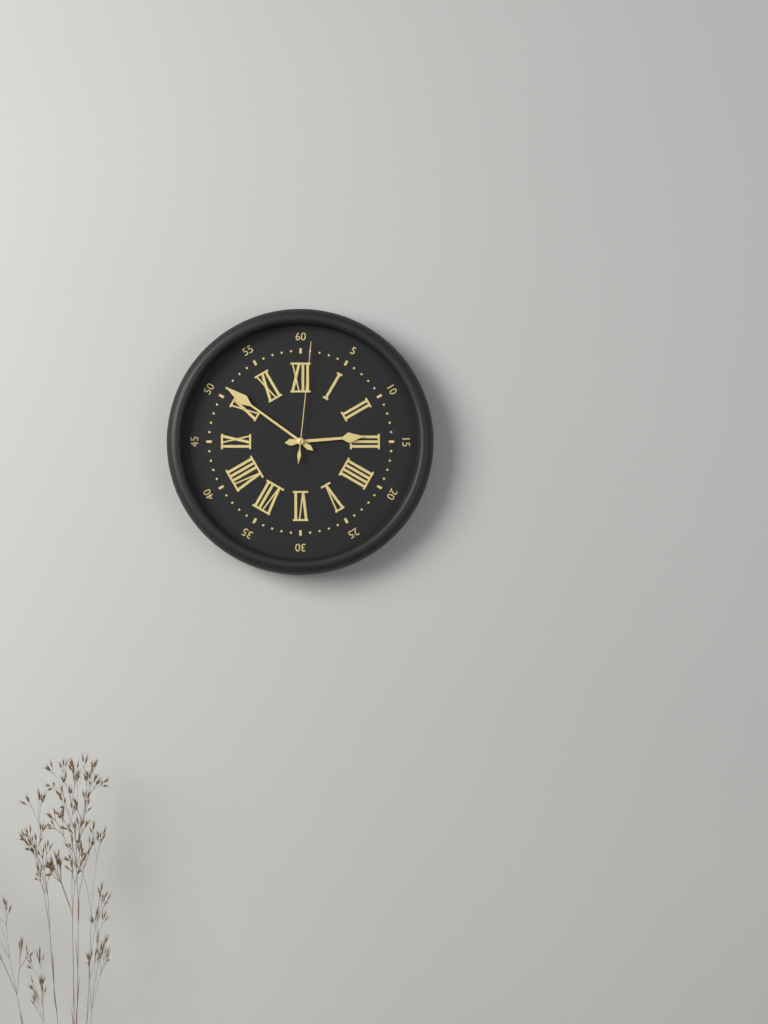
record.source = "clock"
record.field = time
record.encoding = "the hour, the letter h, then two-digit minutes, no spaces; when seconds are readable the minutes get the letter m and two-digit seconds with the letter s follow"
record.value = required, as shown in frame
2h51m01s
